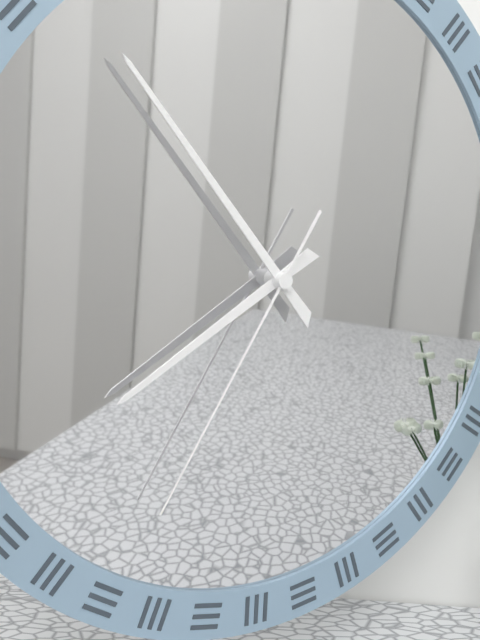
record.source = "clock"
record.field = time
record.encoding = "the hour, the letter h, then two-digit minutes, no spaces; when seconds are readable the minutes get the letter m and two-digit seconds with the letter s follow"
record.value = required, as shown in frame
7h53m35s
